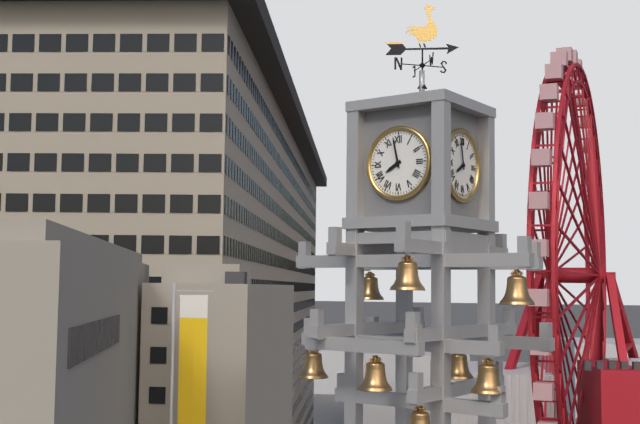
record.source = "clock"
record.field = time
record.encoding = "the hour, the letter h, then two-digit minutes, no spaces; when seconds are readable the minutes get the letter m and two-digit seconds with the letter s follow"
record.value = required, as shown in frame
7h58
